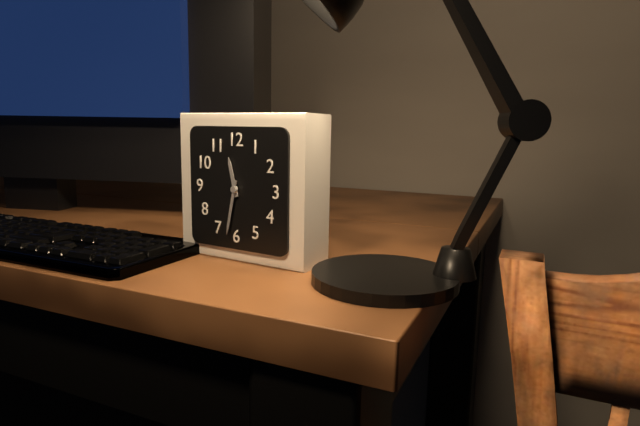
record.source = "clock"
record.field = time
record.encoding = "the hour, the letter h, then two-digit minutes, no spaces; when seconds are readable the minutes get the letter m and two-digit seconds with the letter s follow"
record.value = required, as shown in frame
11h32
